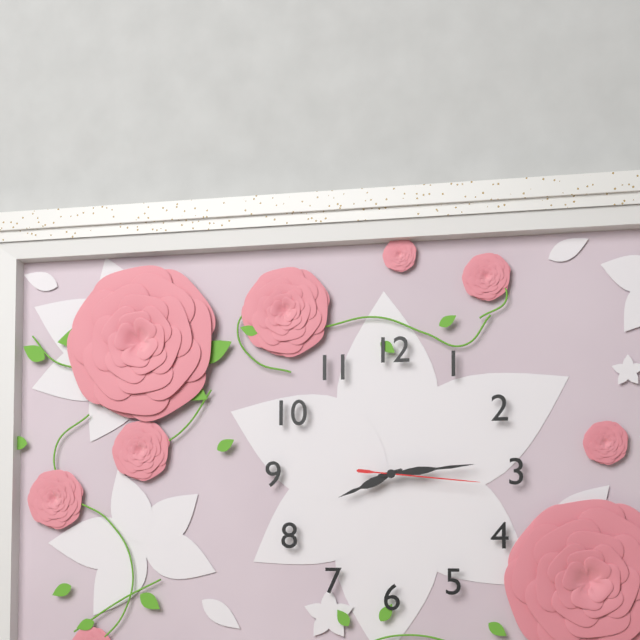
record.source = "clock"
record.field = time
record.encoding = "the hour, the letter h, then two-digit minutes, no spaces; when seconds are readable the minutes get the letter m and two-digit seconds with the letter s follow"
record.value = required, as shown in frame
8h14m16s
